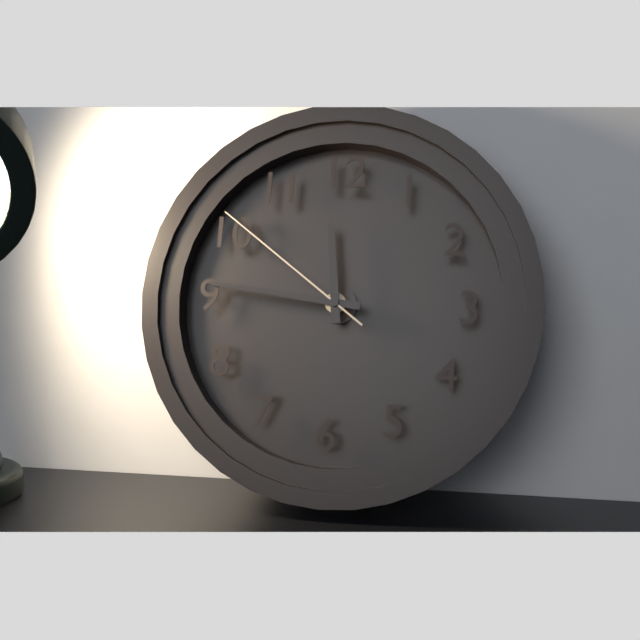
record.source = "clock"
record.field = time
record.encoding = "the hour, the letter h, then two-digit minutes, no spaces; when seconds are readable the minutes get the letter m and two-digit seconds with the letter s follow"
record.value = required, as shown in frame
11h46m51s
